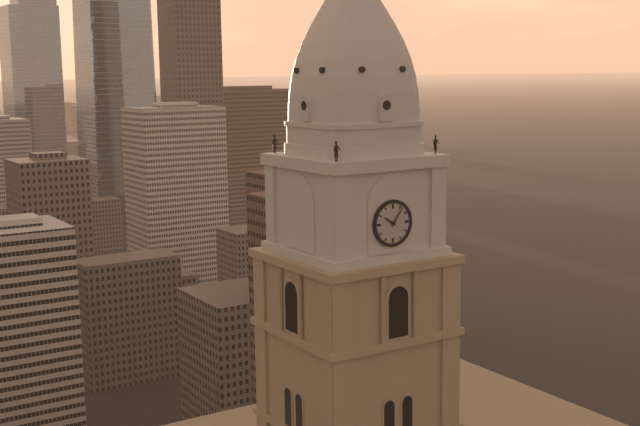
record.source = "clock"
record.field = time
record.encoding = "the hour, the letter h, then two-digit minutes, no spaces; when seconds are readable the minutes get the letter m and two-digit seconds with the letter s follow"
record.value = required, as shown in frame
10h06
